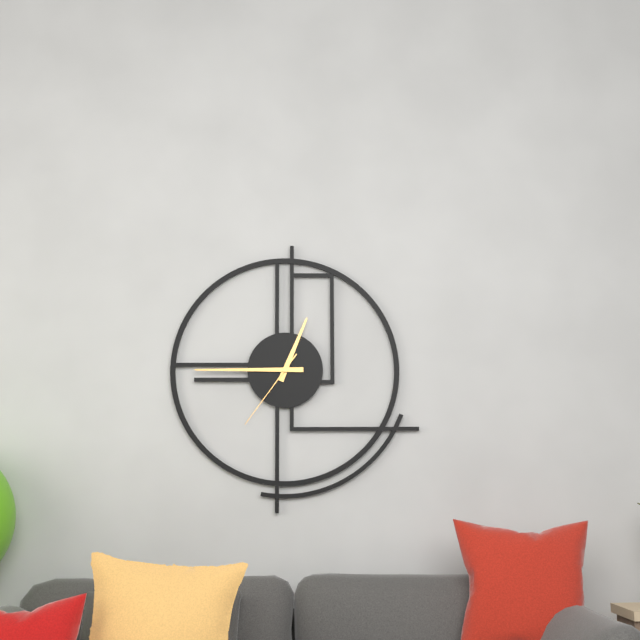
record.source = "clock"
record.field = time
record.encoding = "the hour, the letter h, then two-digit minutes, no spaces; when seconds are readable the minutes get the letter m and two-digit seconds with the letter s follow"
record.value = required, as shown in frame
12h45m36s
